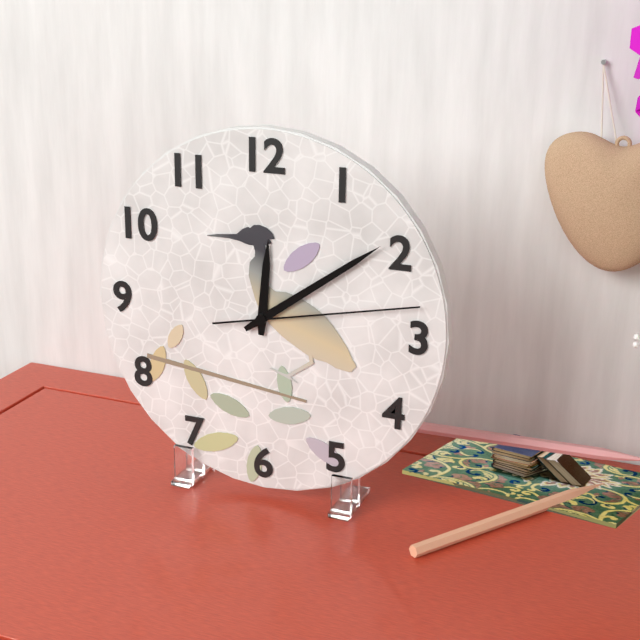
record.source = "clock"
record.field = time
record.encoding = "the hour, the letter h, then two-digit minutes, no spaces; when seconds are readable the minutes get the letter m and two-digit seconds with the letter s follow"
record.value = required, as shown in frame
12h09m13s
